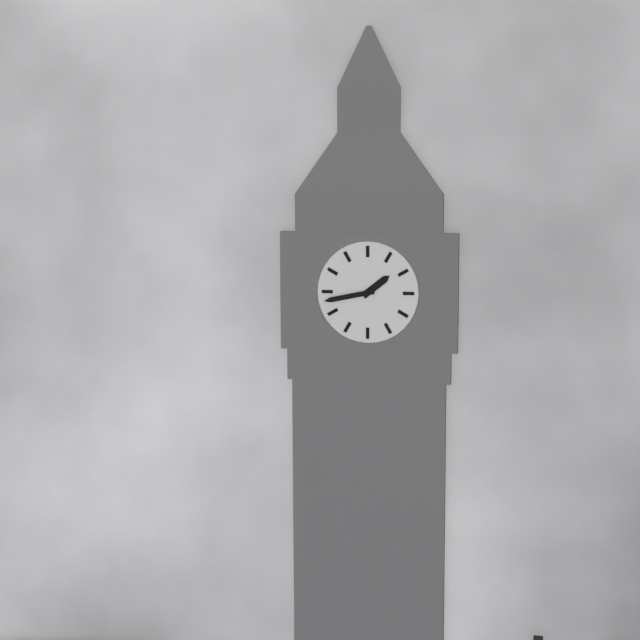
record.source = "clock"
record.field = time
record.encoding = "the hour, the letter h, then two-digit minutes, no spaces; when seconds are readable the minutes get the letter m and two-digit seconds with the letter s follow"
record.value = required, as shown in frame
1h43
